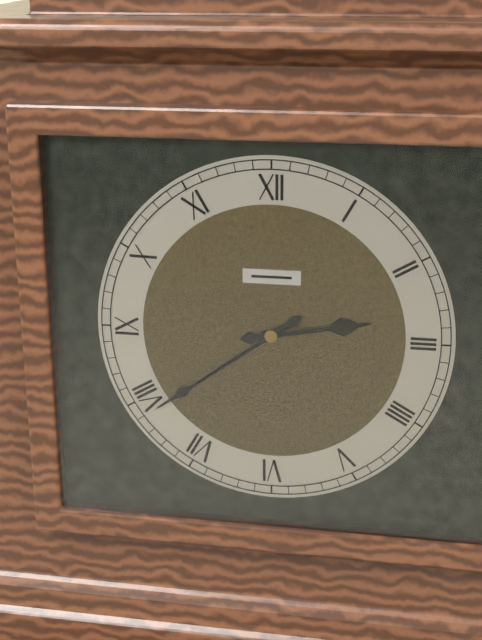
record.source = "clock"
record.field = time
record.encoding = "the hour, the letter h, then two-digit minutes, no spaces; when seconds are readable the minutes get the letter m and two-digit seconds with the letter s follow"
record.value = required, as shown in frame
2h39
